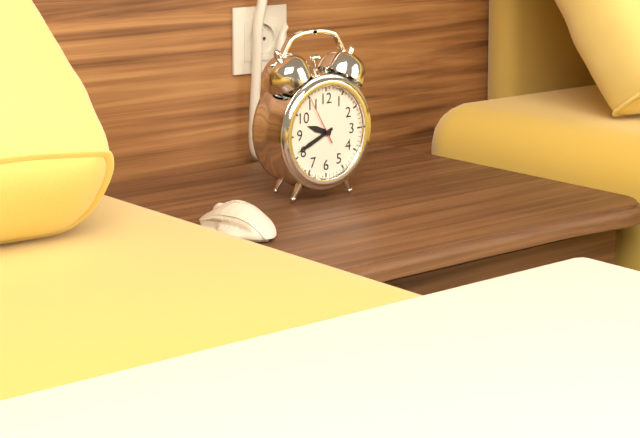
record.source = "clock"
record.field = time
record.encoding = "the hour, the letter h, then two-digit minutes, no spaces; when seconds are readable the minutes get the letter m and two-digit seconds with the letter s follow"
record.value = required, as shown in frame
9h41
